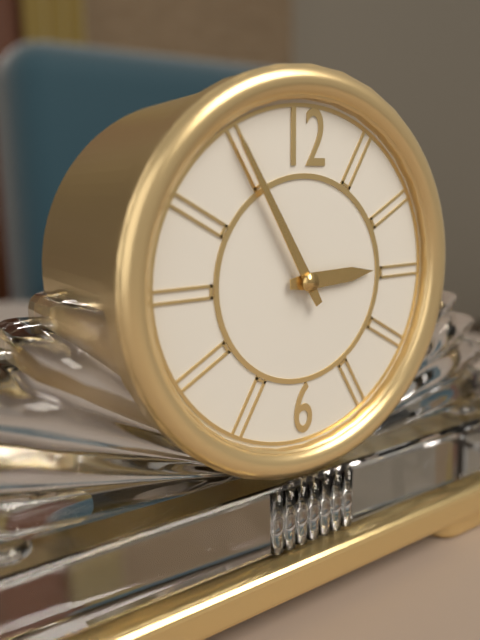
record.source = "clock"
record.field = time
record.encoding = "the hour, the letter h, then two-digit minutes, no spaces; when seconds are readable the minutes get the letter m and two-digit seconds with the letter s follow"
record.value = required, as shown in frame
2h55
